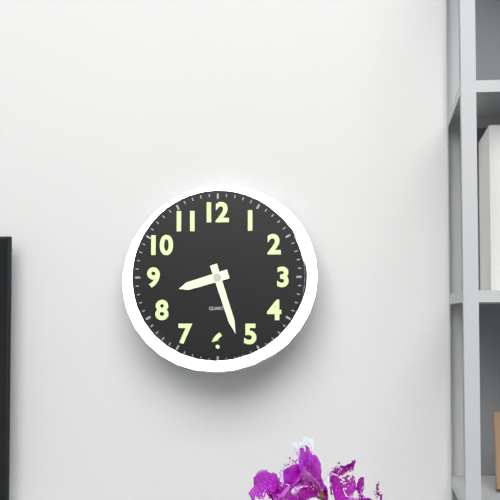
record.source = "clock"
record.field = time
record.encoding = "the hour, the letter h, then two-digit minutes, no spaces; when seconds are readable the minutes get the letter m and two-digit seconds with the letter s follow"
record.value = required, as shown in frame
8h27
